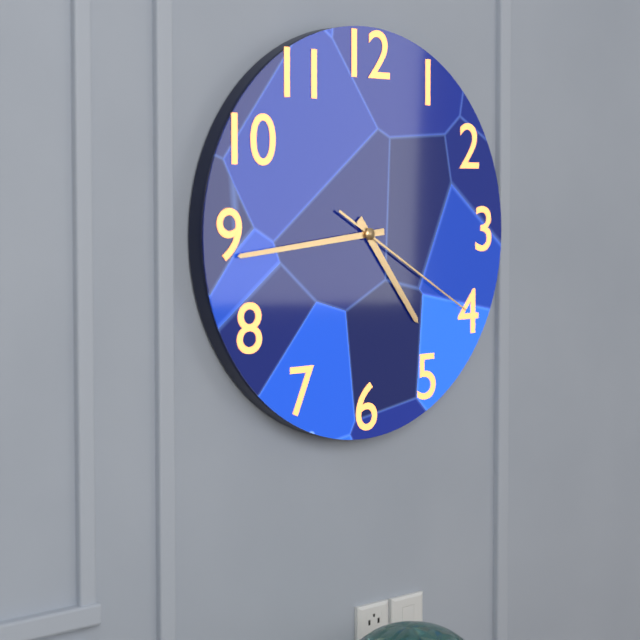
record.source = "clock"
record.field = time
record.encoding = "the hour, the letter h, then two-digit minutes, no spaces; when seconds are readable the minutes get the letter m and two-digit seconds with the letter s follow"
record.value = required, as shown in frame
4h44m20s
